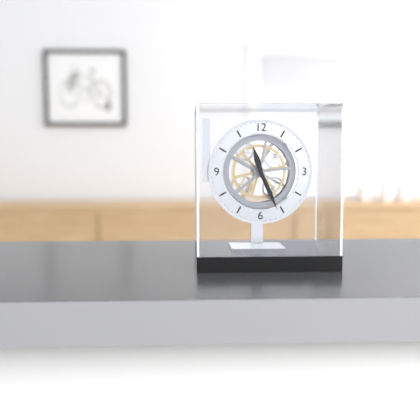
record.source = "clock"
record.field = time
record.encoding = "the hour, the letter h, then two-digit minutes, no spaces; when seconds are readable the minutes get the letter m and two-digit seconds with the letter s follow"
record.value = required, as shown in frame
11h26
